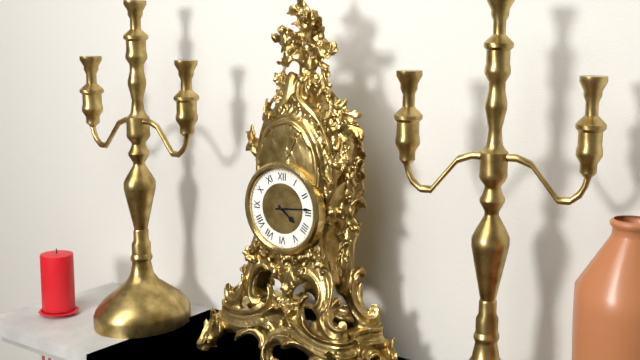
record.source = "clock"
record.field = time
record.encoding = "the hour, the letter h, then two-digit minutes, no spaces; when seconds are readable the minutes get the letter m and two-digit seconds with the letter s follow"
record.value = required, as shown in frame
4h14
